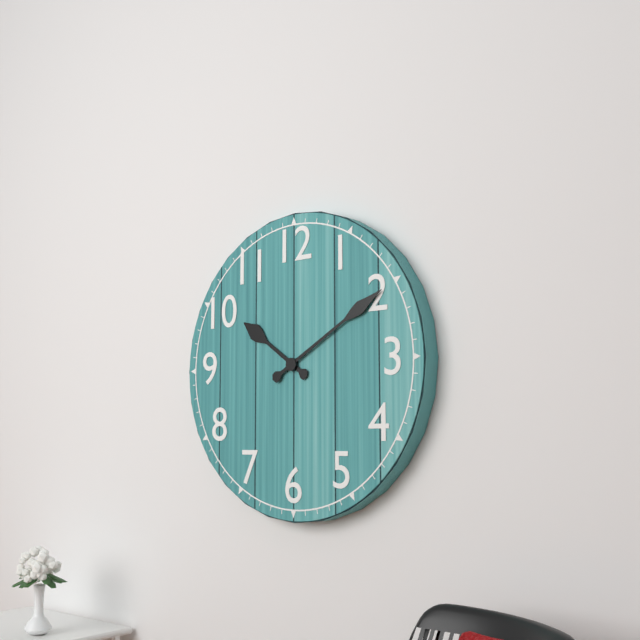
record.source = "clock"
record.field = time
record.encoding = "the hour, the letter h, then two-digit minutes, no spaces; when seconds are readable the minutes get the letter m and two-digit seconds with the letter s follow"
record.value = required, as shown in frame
10h10
